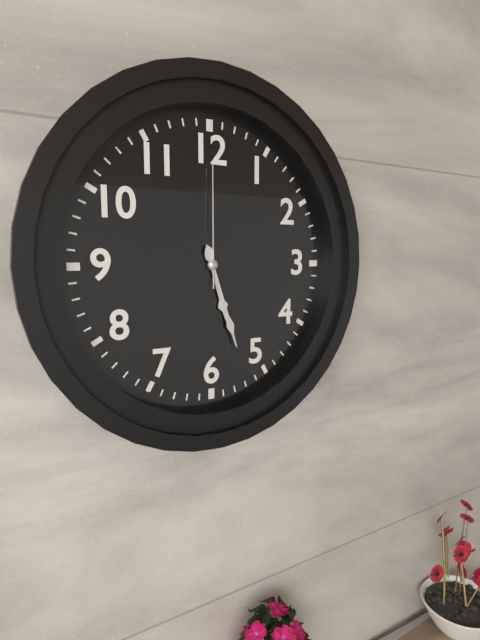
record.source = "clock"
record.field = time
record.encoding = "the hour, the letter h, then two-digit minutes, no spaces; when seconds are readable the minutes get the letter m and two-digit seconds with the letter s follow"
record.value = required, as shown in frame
5h27m00s
